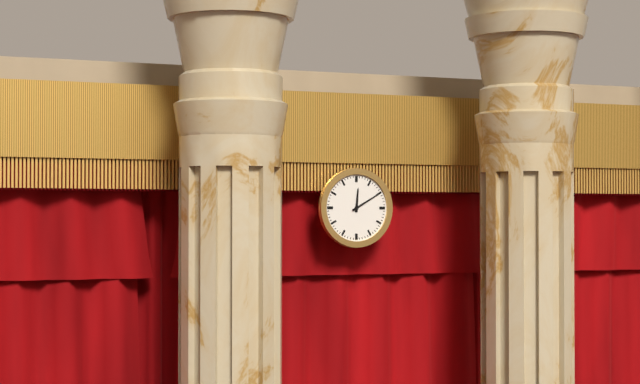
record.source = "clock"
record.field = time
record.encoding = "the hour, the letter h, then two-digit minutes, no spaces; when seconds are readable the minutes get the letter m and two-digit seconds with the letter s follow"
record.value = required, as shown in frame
12h10
